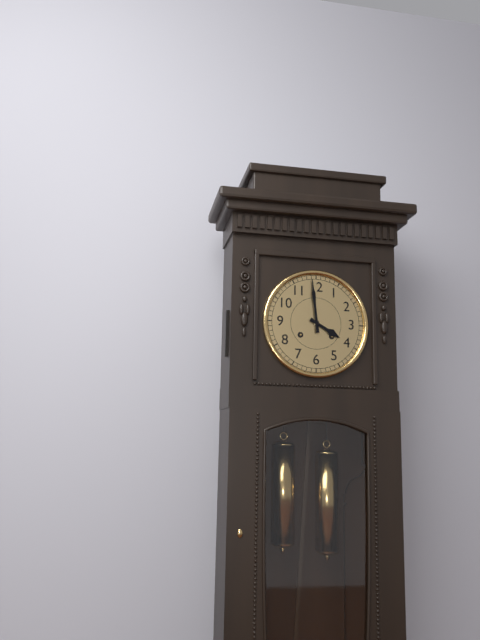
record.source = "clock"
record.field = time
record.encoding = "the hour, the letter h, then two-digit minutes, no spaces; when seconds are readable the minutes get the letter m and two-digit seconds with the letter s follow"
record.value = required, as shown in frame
3h59
